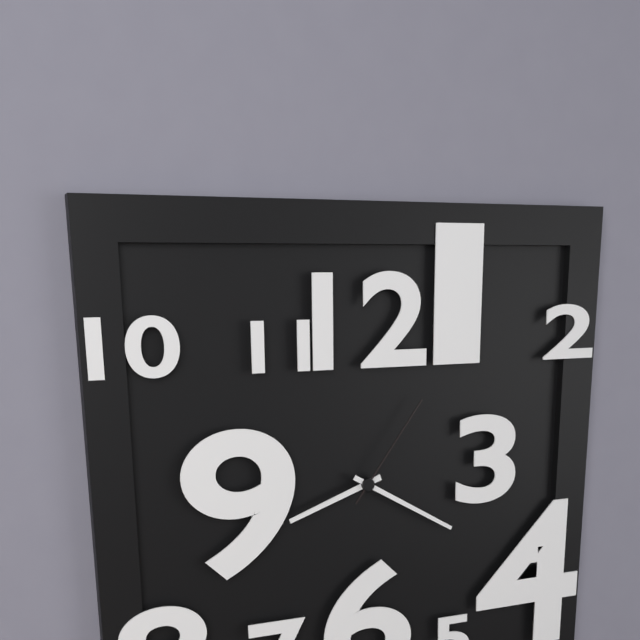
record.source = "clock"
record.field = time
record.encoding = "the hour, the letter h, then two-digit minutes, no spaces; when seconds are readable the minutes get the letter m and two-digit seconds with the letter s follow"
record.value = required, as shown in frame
8h20m06s
